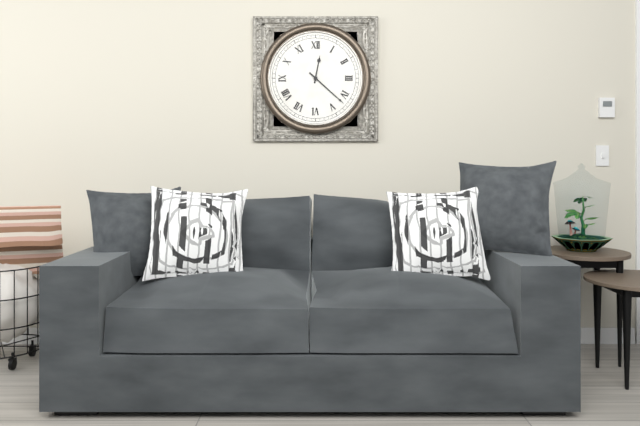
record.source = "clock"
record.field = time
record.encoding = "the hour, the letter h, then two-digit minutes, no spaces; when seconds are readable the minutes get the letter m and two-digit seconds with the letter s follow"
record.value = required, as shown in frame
12h22
